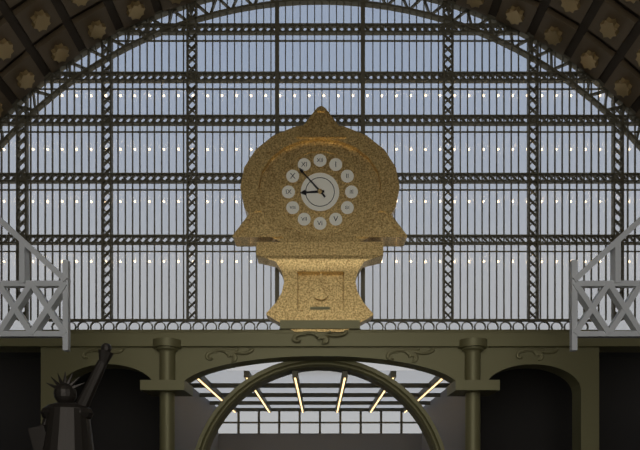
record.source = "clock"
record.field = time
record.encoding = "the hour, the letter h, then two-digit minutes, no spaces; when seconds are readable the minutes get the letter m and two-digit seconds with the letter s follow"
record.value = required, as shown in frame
8h53
